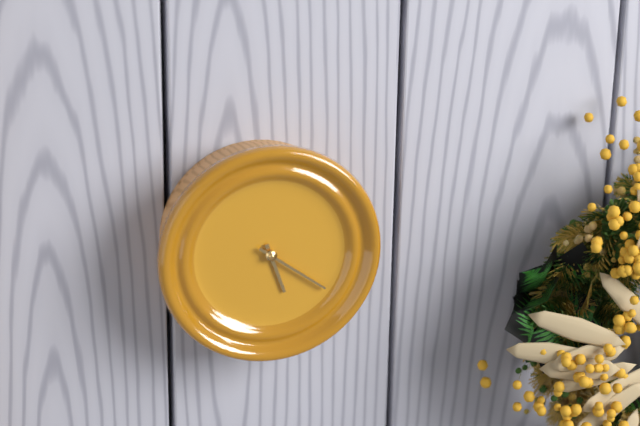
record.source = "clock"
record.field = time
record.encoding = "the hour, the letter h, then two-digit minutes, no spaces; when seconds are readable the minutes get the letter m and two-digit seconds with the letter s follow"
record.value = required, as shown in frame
5h21
